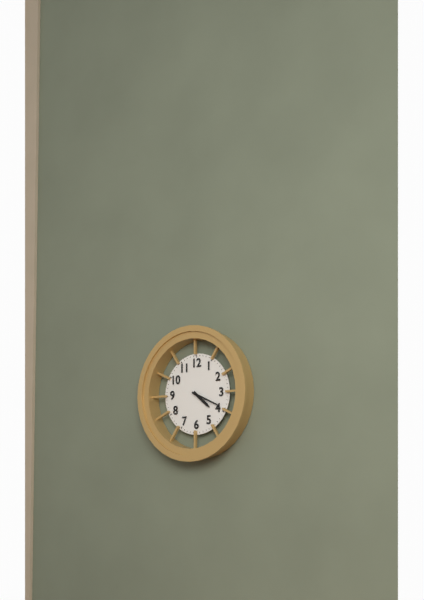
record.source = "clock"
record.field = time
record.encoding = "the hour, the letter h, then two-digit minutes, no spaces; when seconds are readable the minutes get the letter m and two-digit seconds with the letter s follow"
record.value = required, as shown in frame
4h19
